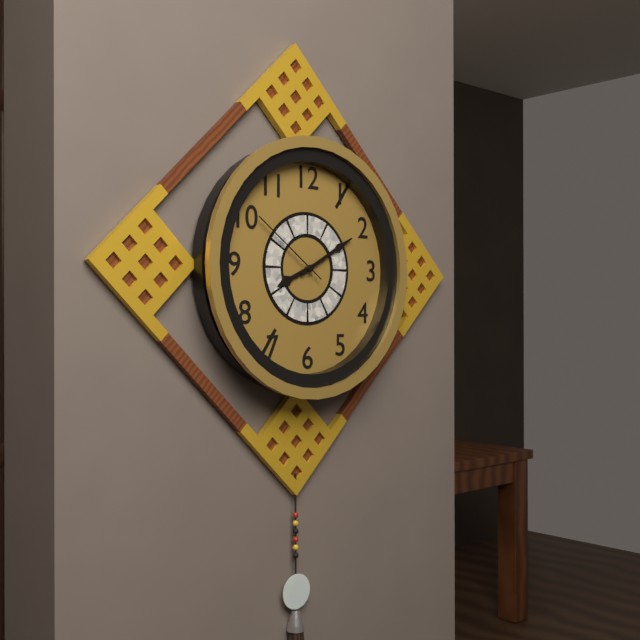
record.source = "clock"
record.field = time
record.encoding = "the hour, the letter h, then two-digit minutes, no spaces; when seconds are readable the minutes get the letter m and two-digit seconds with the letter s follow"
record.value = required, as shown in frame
8h10m51s
